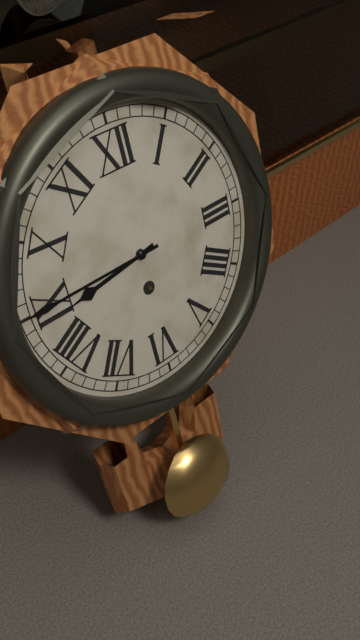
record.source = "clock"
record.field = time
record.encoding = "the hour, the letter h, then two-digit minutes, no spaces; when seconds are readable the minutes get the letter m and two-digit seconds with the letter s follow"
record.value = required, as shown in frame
8h45
